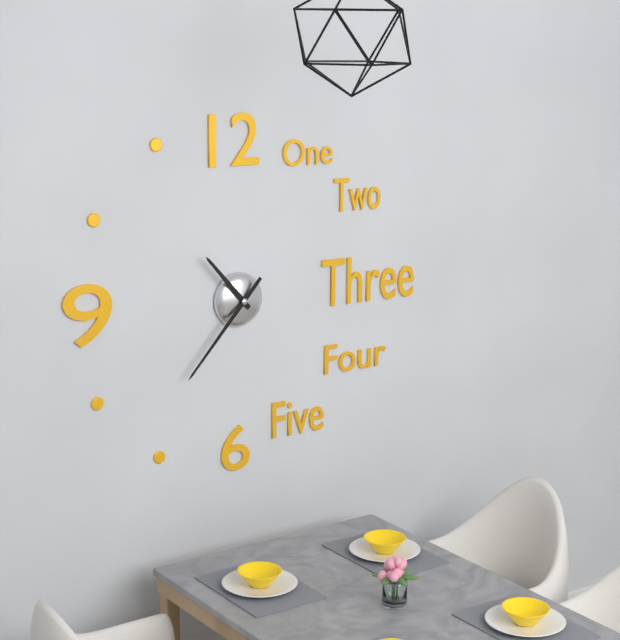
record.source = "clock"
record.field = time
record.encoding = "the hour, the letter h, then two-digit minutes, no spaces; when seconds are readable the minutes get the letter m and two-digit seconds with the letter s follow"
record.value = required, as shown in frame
10h37
